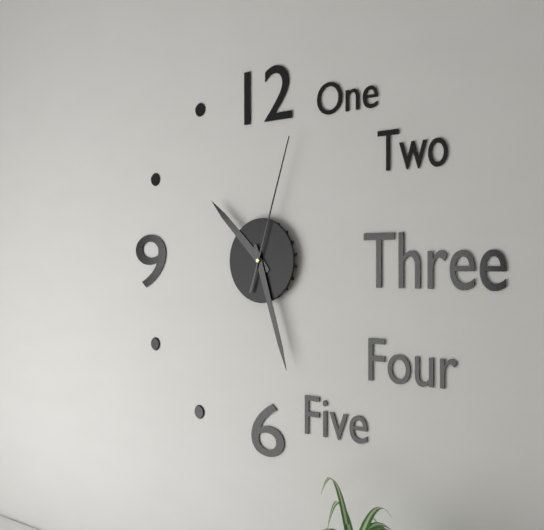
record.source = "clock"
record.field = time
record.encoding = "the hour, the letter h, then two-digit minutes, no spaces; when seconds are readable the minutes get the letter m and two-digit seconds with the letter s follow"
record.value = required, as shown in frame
10h27m03s
